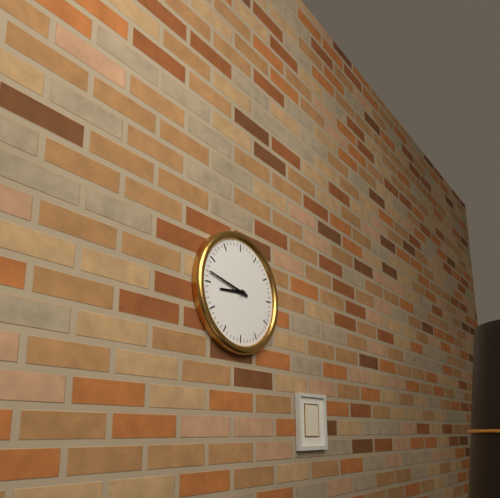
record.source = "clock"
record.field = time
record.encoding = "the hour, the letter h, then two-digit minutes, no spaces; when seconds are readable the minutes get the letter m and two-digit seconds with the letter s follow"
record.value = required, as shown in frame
8h47
